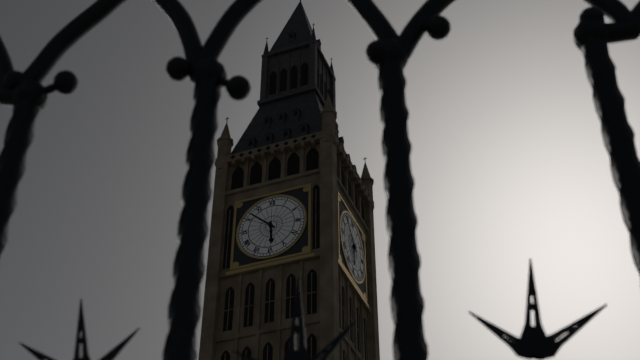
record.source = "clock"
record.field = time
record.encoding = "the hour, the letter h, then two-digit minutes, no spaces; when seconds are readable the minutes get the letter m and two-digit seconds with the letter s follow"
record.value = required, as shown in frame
5h52
